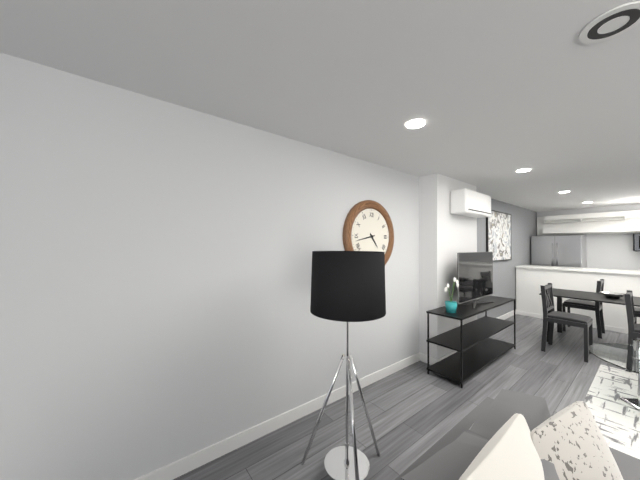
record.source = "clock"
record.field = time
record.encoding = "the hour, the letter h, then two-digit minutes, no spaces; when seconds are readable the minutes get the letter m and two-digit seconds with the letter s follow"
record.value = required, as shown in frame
4h43
